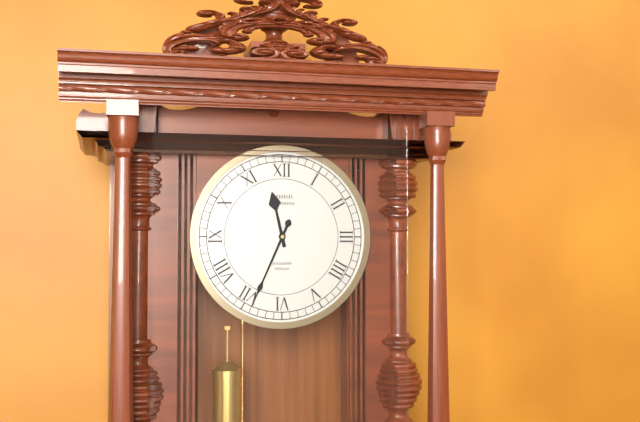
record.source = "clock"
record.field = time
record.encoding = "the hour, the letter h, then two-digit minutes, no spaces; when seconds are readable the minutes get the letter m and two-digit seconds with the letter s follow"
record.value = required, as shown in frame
11h34
